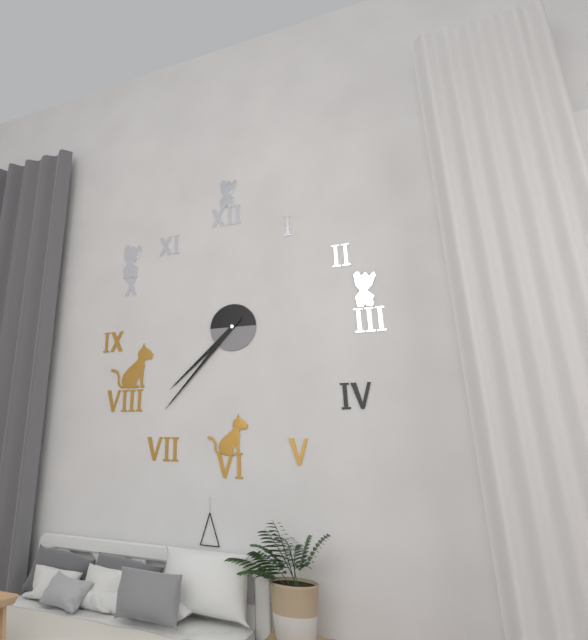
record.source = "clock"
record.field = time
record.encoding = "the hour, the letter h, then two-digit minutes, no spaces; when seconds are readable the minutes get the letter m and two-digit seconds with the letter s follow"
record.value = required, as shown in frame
7h37
